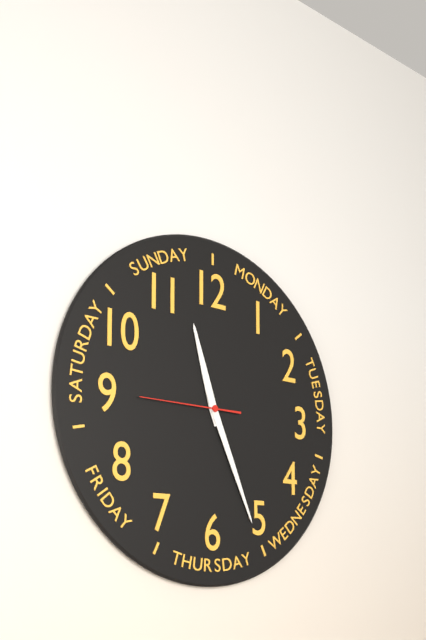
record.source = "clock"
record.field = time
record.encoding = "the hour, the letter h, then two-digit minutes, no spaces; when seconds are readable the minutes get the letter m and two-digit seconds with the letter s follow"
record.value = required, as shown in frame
11h26m45s
